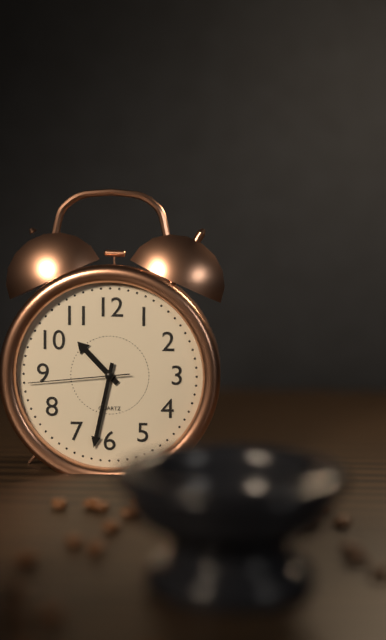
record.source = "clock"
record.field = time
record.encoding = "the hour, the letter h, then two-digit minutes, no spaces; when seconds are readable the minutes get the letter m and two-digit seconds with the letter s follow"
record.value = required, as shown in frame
10h32m44s
